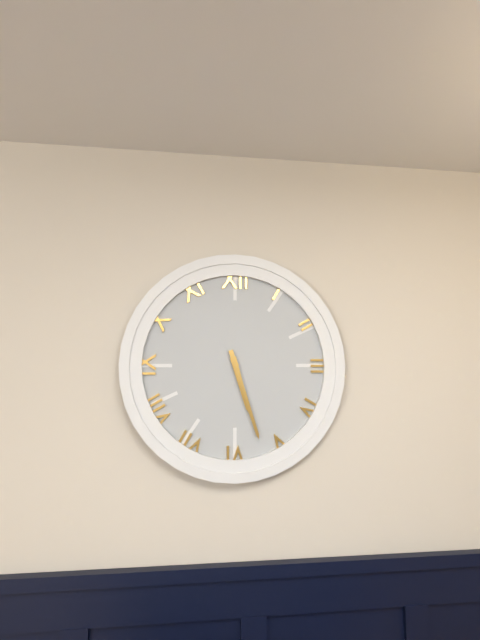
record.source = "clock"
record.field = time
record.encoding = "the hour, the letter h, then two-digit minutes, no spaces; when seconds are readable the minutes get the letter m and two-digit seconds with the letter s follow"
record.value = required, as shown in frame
5h27
